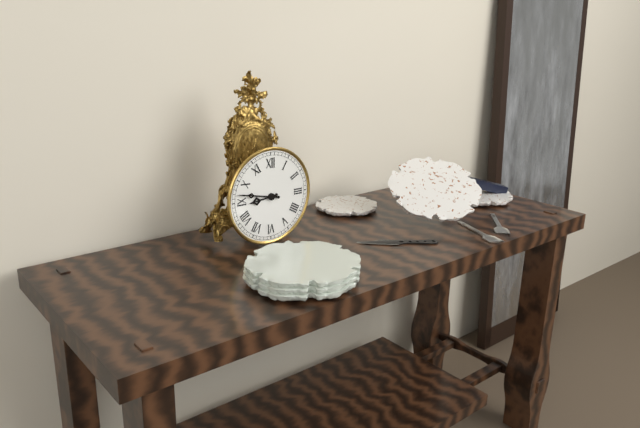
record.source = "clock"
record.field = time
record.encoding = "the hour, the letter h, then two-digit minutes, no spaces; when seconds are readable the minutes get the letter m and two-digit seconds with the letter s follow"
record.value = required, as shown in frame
8h47
